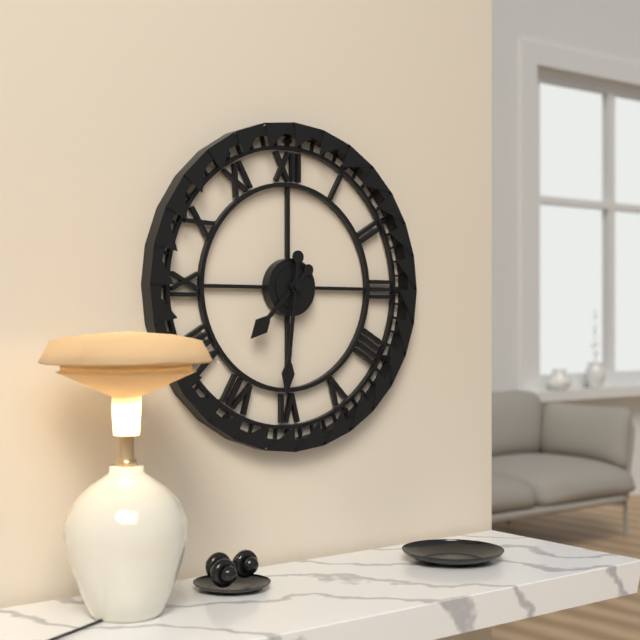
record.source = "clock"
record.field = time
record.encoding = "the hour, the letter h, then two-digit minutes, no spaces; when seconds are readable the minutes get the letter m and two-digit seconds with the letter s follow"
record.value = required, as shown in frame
7h31
